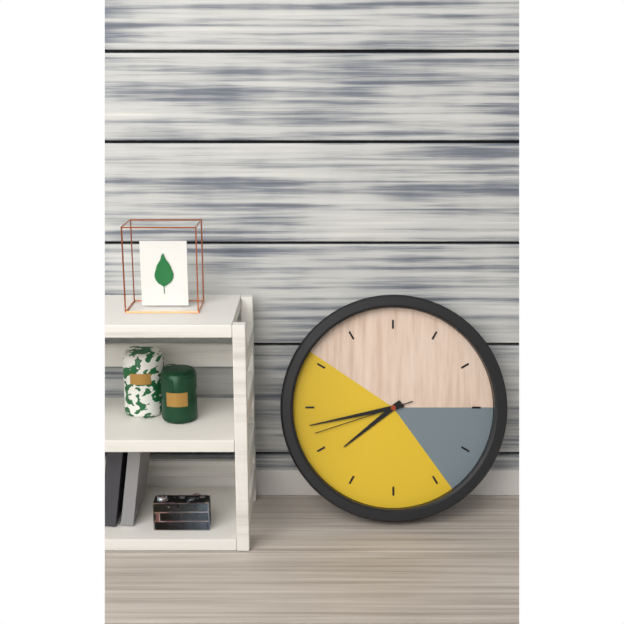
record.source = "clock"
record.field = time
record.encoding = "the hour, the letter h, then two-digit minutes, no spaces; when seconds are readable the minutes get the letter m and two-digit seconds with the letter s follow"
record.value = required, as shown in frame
7h43m42s
